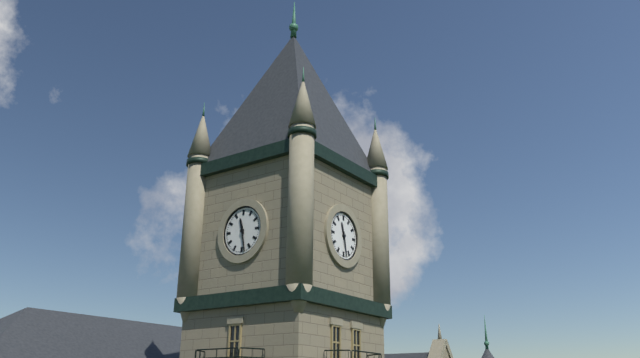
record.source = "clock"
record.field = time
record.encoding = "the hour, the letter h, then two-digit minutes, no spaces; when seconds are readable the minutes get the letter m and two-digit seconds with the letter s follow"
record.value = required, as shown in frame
11h28
